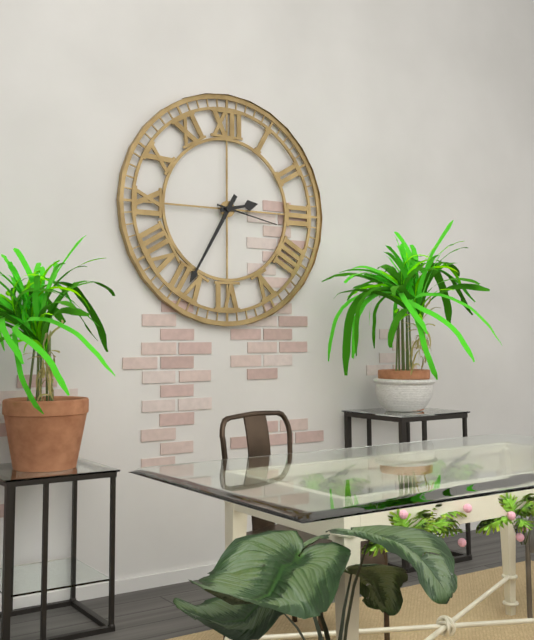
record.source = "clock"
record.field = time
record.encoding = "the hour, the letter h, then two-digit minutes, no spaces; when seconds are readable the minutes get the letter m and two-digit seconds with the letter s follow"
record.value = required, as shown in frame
2h35m17s
